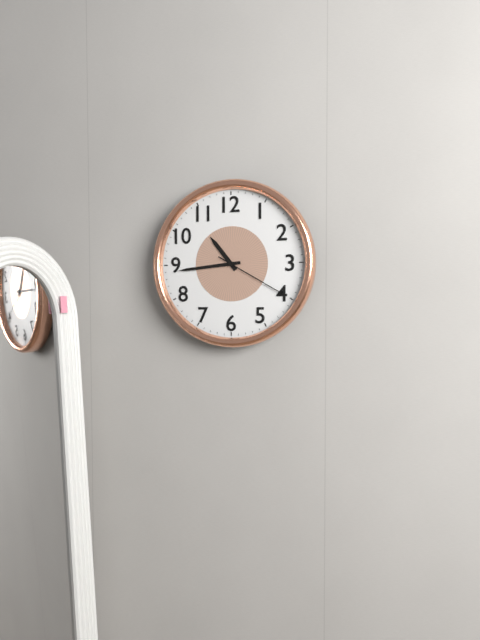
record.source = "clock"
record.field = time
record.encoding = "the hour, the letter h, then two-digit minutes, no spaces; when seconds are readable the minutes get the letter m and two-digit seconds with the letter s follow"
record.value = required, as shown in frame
10h44m20s
